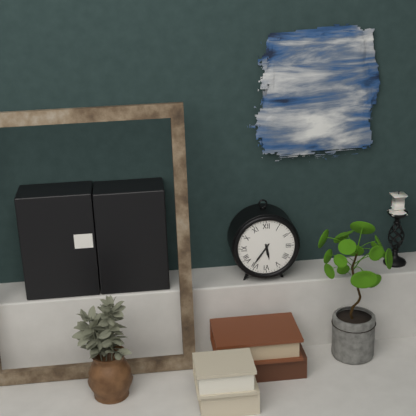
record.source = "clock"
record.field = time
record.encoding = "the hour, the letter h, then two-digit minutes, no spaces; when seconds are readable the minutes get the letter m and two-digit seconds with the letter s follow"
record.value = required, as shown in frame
5h36
